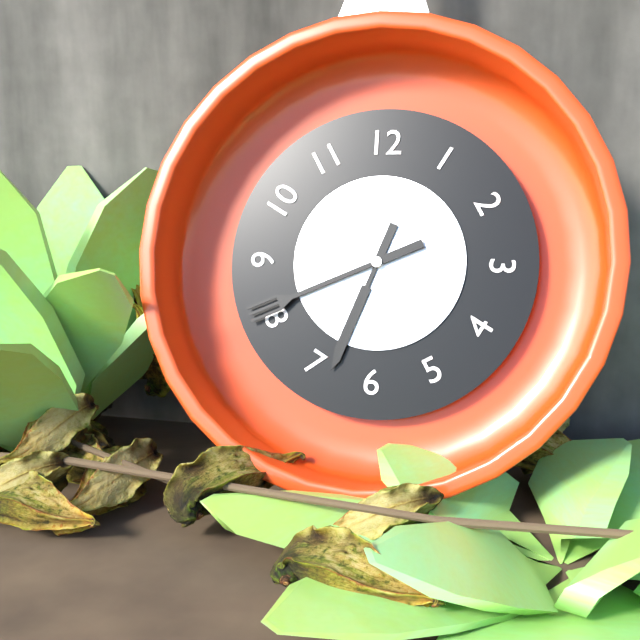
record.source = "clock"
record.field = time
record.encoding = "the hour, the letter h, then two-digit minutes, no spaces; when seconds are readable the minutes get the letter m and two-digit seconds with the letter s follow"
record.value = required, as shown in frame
6h41
